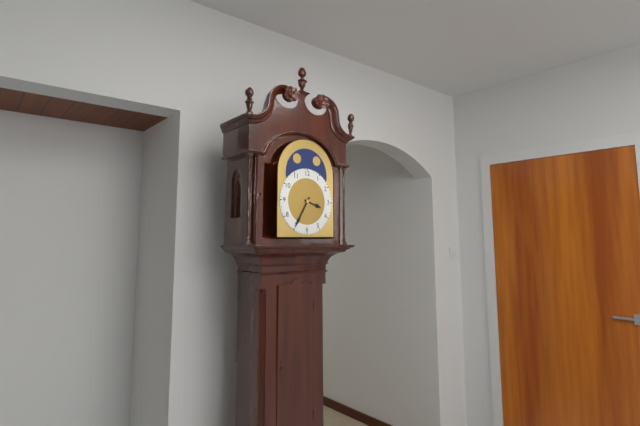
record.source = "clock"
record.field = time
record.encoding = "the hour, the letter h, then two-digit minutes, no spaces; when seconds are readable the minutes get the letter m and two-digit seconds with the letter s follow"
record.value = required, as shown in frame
3h35
